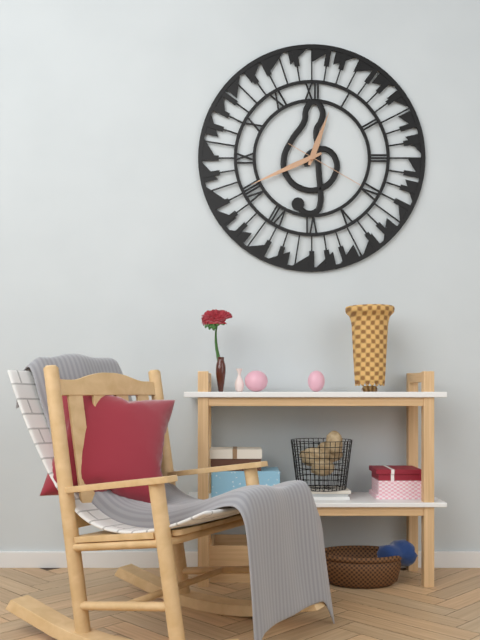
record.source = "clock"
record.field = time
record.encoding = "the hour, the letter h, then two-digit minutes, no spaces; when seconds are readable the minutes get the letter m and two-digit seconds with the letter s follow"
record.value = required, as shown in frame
12h41m20s
